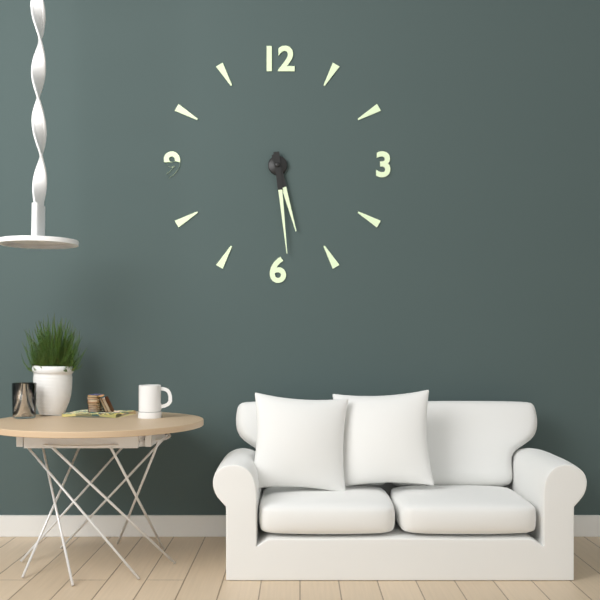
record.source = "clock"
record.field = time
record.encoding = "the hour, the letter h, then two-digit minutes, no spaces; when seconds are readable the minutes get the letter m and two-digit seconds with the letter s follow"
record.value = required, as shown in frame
5h29
